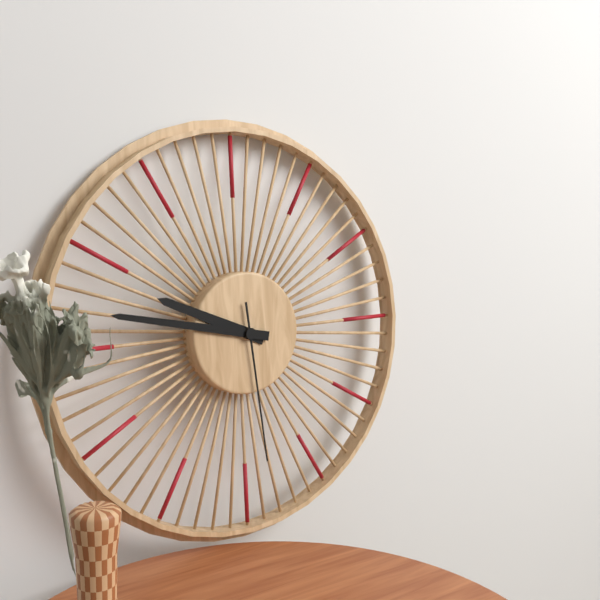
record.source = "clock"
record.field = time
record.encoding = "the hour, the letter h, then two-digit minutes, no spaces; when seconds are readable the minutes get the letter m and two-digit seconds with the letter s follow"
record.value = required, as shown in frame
9h47m29s
